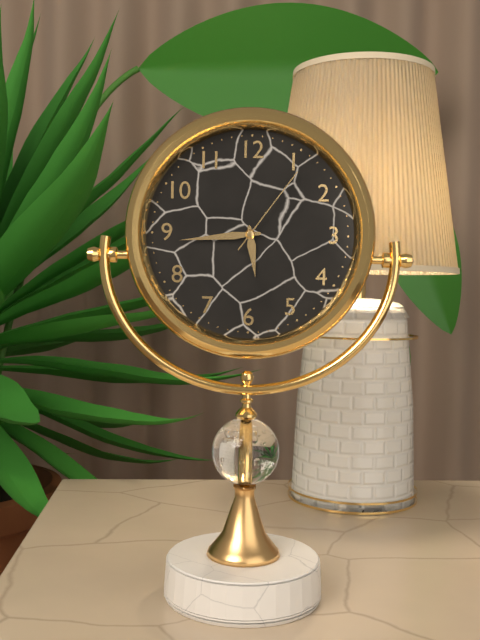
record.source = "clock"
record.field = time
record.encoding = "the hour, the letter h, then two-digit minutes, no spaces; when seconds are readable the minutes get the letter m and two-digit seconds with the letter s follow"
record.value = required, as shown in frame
5h44m06s
